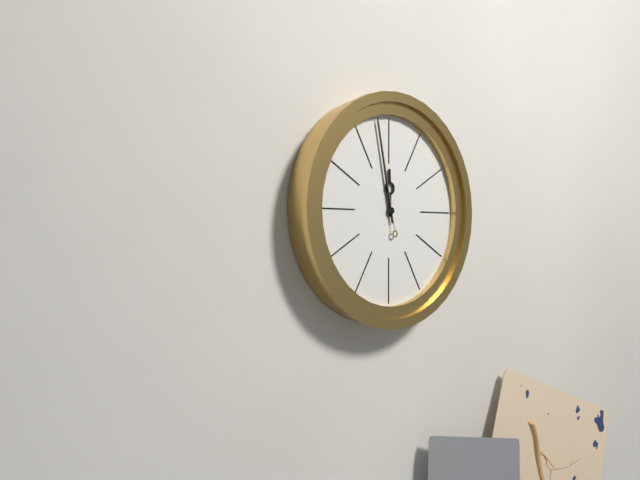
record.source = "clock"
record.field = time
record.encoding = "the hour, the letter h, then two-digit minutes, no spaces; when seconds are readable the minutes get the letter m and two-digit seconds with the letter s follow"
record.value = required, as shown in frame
11h58m58s
